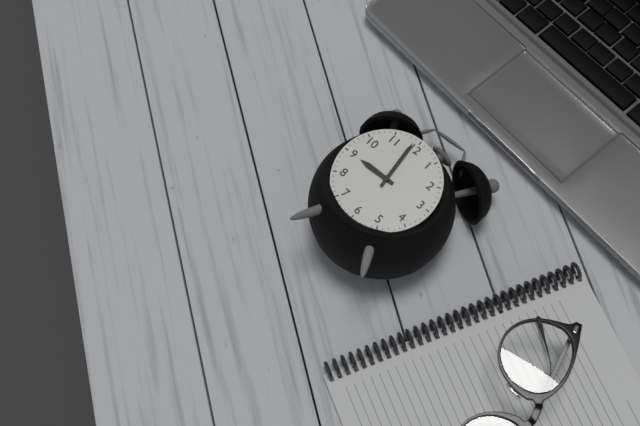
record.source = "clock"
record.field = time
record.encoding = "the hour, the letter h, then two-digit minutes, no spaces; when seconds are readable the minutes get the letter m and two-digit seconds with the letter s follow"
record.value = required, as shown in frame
8h59
